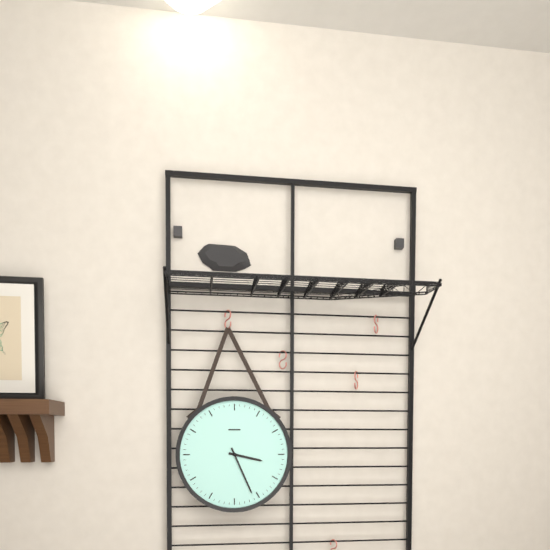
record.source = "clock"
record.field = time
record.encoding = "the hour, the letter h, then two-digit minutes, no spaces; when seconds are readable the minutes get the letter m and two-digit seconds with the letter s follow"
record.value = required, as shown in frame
3h26
